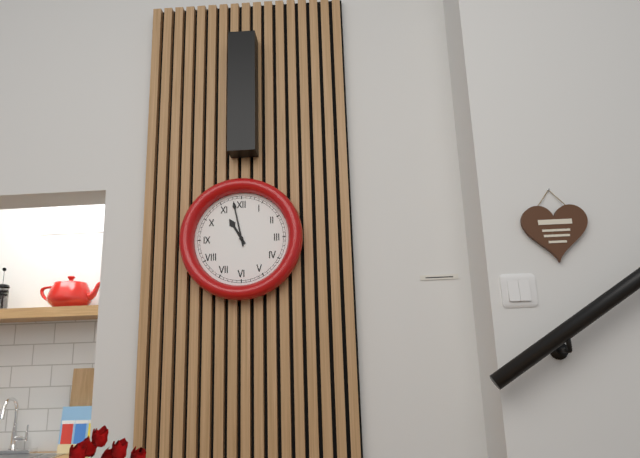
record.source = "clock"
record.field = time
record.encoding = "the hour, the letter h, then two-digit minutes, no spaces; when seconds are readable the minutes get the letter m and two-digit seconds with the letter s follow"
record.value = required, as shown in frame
10h58
